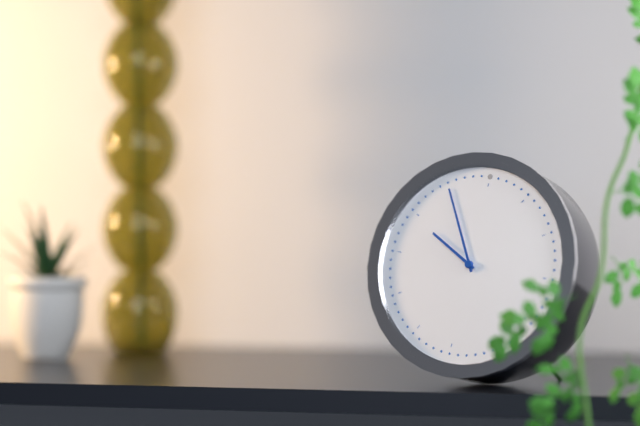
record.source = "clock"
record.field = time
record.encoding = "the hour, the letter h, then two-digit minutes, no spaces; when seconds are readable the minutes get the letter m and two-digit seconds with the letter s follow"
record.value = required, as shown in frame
9h55
